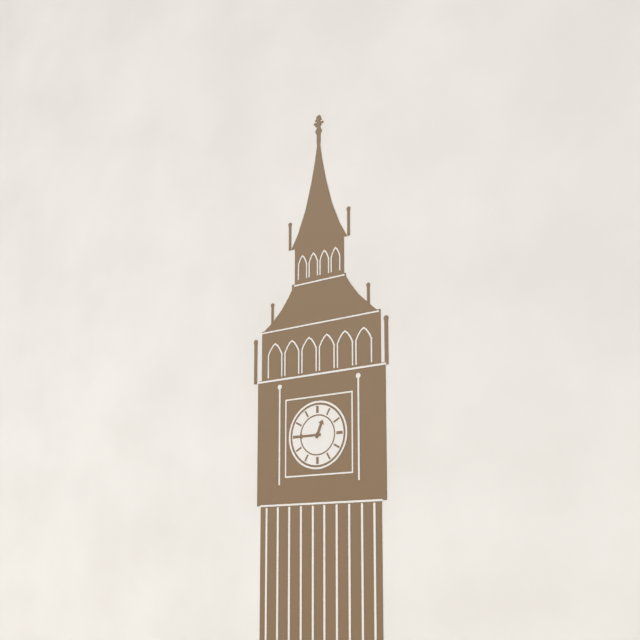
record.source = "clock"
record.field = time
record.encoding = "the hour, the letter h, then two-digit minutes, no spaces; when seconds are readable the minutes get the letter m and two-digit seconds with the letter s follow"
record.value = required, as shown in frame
12h45
